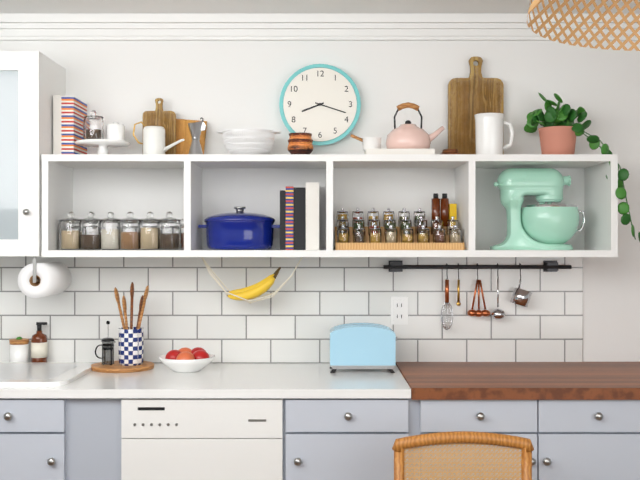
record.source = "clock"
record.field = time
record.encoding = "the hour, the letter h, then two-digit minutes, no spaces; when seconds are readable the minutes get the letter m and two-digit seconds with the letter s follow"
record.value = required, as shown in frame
8h18
